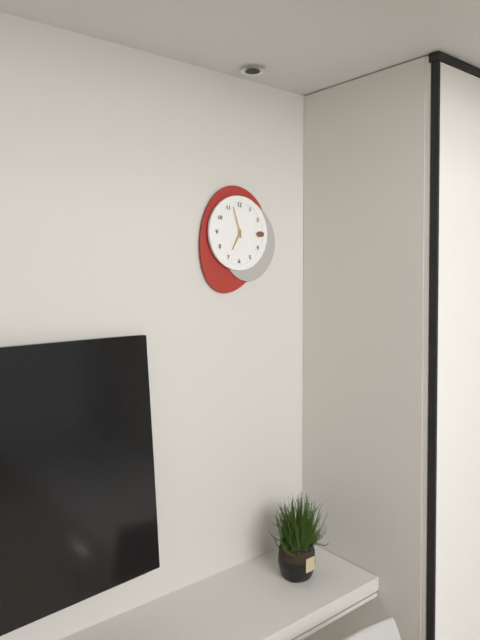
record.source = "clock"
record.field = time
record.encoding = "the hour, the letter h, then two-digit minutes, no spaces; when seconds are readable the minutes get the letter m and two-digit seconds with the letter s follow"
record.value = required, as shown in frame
6h57
